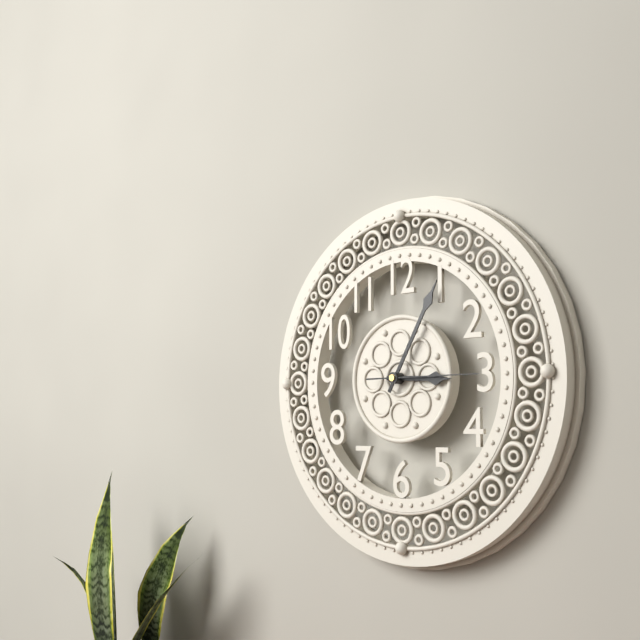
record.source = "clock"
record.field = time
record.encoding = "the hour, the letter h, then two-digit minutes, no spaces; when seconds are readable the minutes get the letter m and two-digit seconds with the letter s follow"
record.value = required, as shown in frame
3h05m15s
